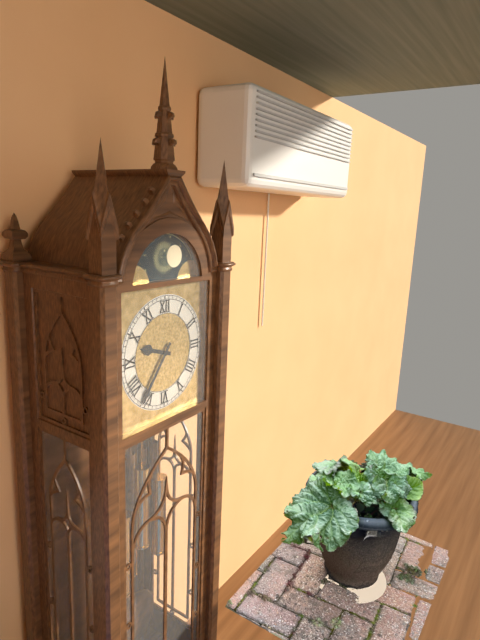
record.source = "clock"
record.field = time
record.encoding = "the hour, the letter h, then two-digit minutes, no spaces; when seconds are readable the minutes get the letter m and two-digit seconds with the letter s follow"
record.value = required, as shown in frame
9h36
